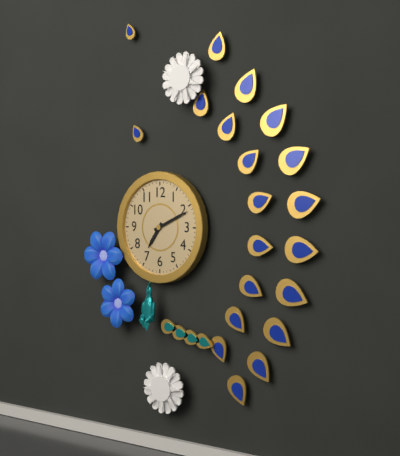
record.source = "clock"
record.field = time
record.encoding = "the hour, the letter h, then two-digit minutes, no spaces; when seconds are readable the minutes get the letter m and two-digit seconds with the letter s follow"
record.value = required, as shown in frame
7h11
